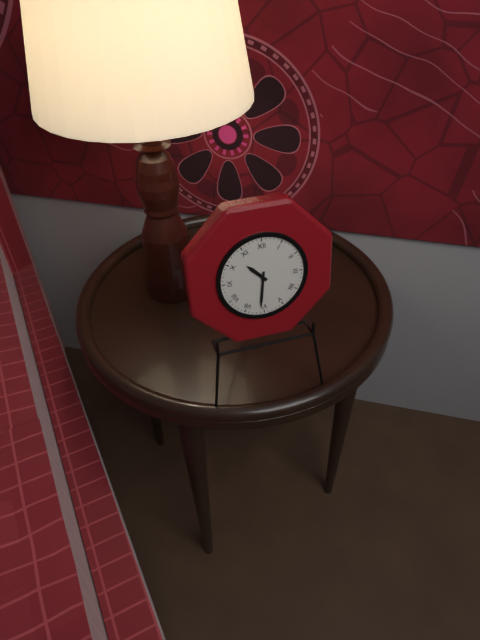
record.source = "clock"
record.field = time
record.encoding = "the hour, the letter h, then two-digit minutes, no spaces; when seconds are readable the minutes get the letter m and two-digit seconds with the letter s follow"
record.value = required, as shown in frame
10h31
